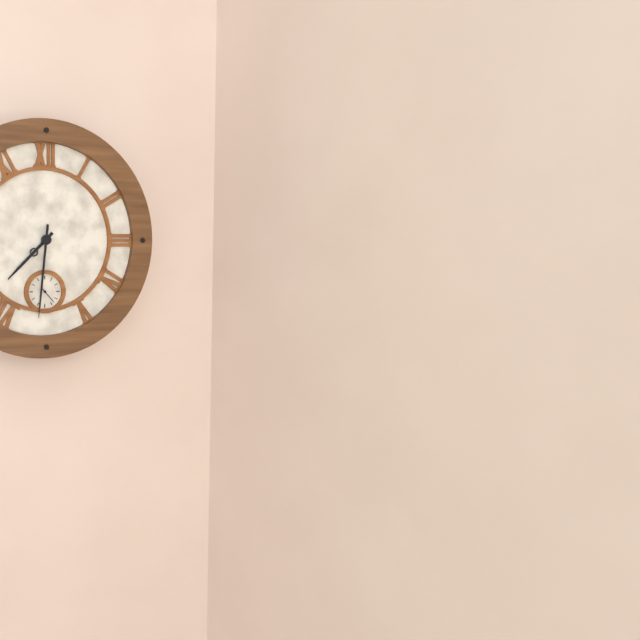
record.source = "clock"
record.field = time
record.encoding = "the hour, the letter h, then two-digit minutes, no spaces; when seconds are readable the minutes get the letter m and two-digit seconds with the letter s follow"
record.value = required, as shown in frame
7h31
